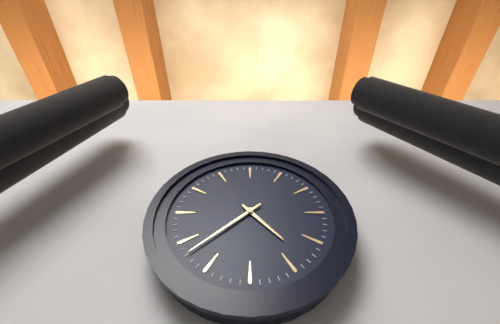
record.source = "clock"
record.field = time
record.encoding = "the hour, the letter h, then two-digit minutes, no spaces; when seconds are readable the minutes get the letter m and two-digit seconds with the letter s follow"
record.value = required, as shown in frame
4h38
